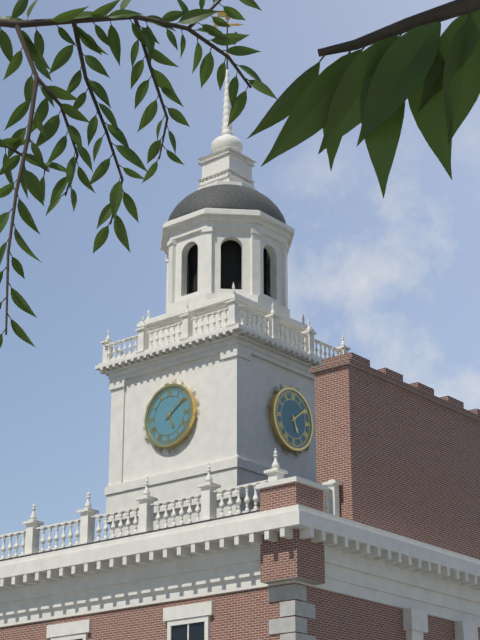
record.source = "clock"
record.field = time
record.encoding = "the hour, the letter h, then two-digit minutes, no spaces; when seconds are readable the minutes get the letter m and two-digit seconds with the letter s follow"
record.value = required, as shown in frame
5h09
